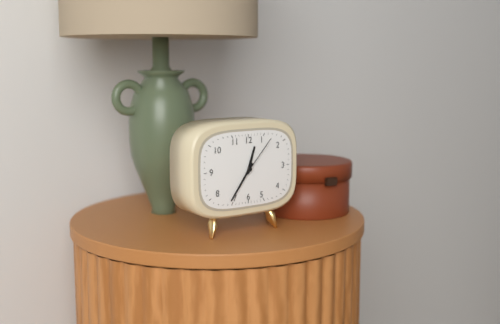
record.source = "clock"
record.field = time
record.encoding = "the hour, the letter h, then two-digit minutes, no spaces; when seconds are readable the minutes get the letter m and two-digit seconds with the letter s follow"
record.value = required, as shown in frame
12h36
